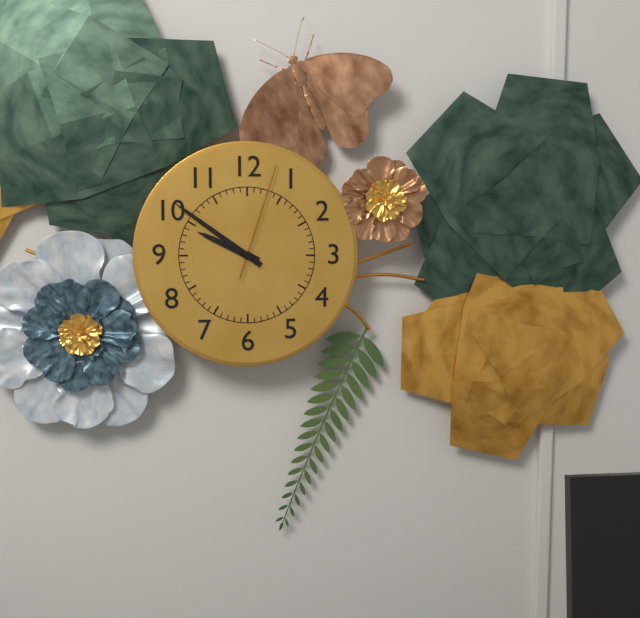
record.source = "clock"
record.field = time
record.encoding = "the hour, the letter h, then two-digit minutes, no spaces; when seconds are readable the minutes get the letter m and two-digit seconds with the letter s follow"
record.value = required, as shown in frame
9h51m03s
